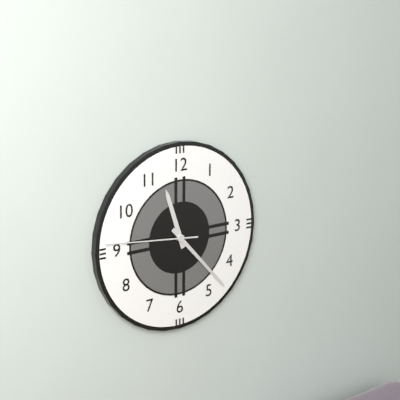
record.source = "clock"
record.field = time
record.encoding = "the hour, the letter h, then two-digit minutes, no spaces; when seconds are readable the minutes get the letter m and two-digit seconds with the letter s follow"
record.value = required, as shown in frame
11h23m46s
